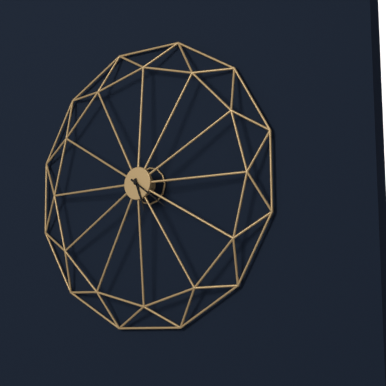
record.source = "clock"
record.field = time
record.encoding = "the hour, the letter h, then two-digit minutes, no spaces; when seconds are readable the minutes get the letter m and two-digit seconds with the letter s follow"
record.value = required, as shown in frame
5h21
